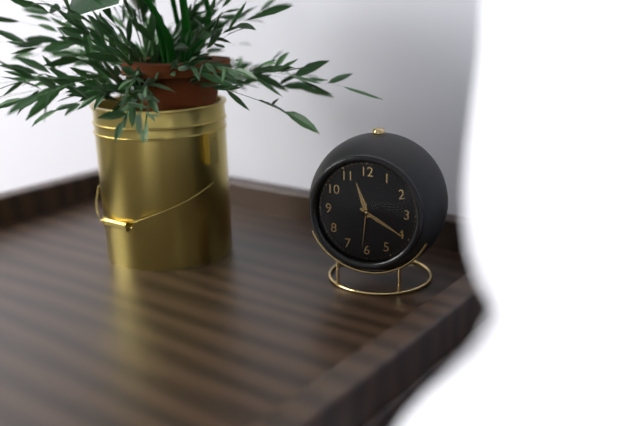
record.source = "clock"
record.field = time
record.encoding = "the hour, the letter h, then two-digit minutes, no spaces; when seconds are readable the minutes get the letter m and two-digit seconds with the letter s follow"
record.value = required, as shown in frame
11h20
